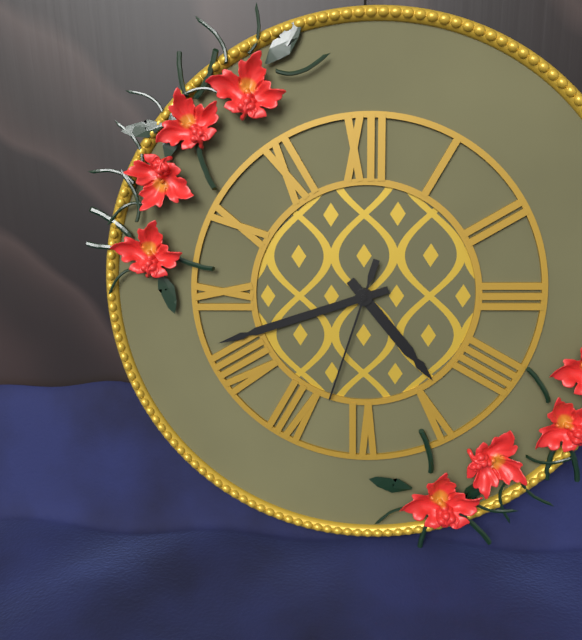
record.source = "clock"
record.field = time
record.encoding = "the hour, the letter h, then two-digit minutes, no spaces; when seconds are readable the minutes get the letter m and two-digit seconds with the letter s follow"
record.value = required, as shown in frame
4h42m33s
